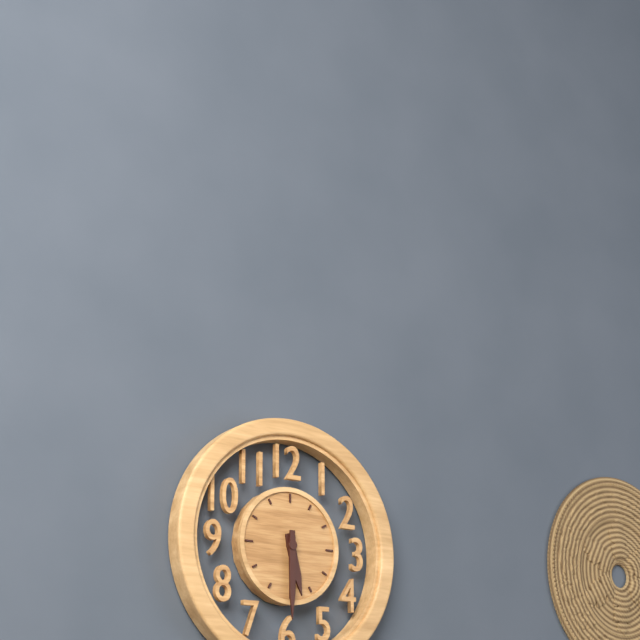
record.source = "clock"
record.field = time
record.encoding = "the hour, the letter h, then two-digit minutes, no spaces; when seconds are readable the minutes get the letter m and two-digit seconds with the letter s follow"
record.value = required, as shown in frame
5h30
